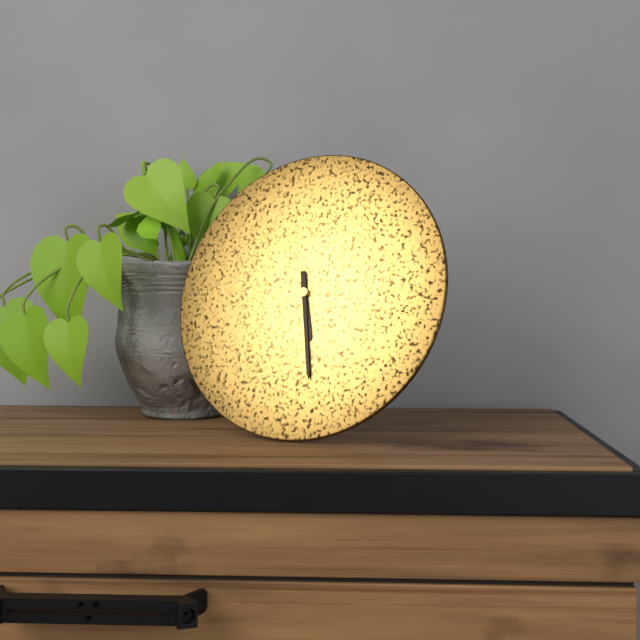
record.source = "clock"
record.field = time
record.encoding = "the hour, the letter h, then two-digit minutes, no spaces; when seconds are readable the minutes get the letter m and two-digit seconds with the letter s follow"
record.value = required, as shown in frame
5h28
